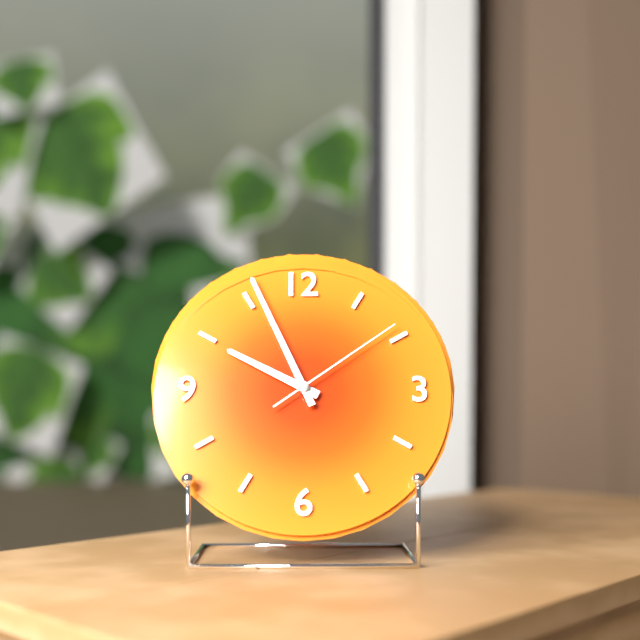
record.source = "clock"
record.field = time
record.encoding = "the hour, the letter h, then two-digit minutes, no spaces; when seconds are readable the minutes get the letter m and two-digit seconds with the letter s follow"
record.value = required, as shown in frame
9h56m09s
